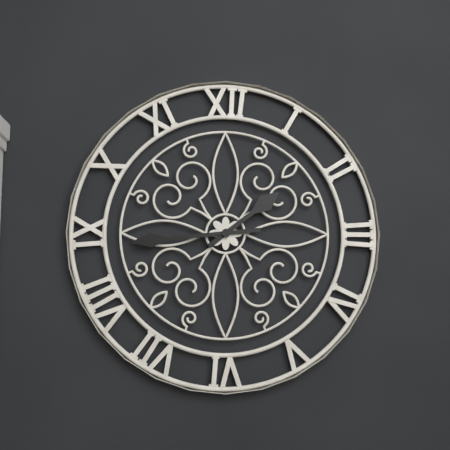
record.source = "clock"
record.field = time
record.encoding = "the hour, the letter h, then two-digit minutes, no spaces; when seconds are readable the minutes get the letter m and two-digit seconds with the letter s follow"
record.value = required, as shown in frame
1h44
